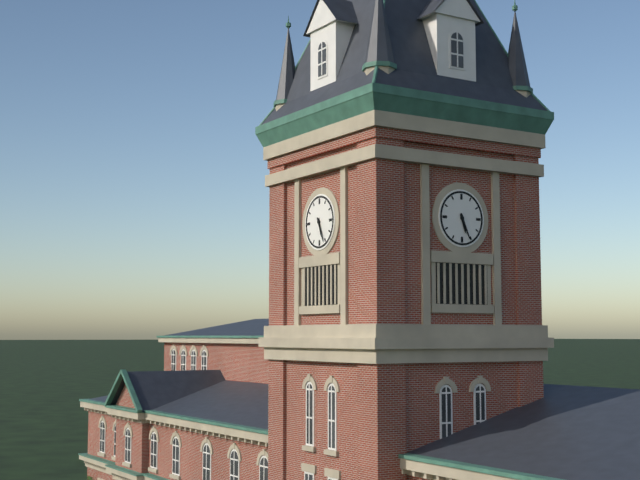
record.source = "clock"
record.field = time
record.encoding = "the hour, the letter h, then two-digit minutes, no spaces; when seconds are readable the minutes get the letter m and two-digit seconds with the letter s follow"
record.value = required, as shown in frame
5h26
